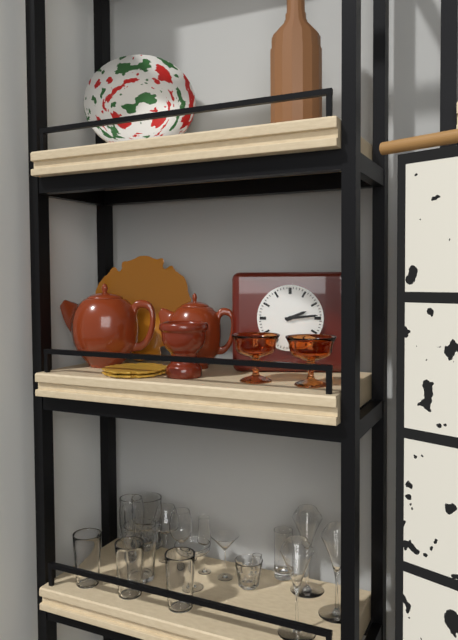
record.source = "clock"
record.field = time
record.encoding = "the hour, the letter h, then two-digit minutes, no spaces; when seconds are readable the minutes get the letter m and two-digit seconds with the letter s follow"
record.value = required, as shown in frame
2h14
